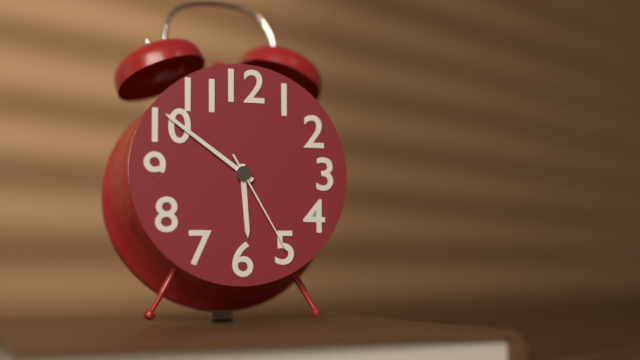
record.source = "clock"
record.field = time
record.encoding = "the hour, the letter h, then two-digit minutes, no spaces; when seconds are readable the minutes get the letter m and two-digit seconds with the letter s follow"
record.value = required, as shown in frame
5h51m25s
